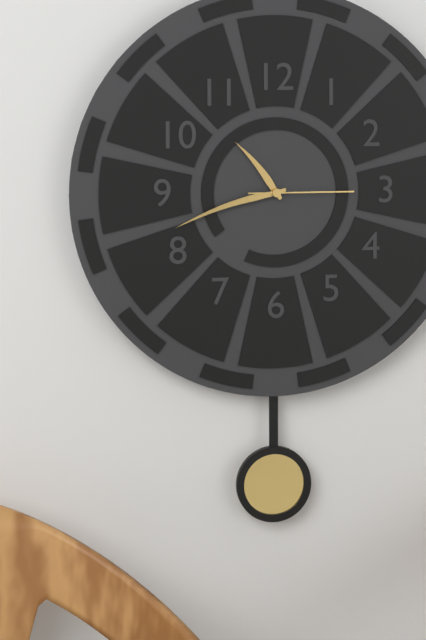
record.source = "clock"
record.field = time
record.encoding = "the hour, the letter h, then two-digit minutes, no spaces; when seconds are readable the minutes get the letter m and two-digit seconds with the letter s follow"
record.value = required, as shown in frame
10h42m15s
